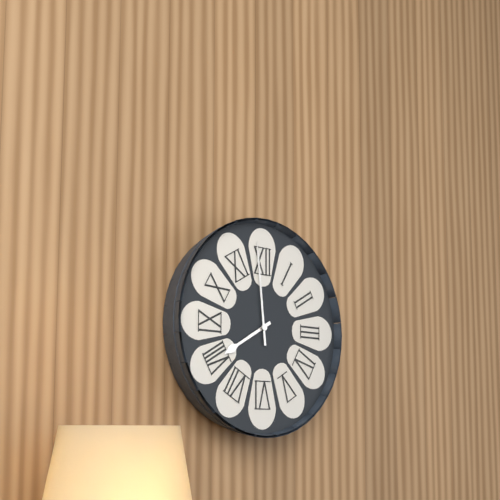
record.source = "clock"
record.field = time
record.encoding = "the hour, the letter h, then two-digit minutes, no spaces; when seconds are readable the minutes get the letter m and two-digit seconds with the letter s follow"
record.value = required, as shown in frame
7h59
